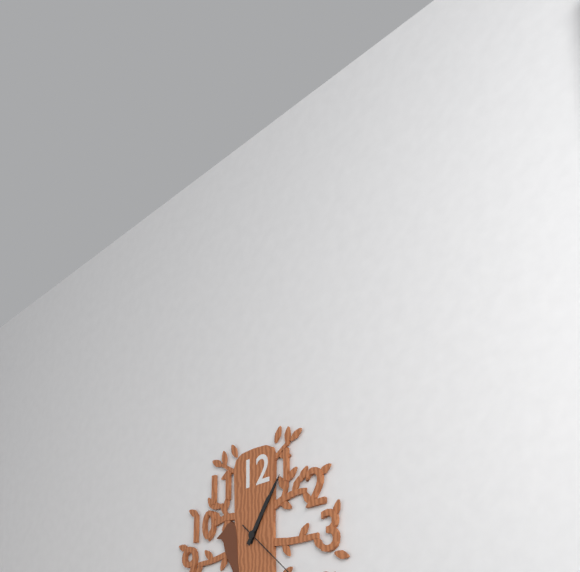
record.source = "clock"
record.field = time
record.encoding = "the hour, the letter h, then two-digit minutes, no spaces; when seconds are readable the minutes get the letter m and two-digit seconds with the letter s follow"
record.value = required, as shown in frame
1h06
